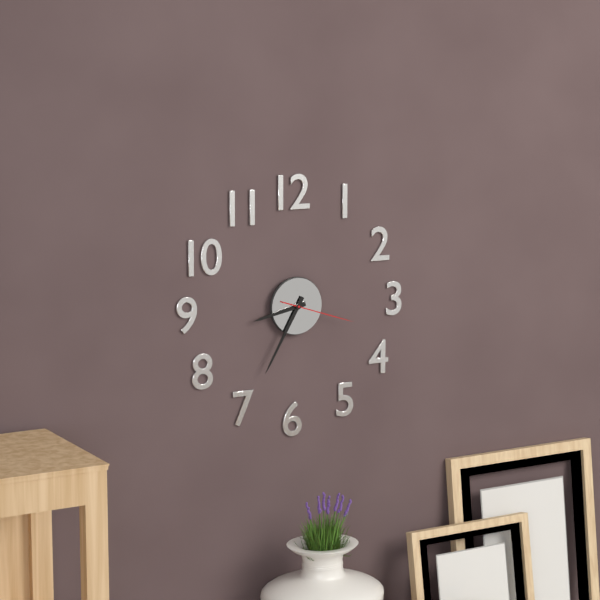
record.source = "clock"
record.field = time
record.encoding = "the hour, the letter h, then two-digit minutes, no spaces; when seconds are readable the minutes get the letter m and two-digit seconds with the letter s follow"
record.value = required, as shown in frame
8h35m18s
